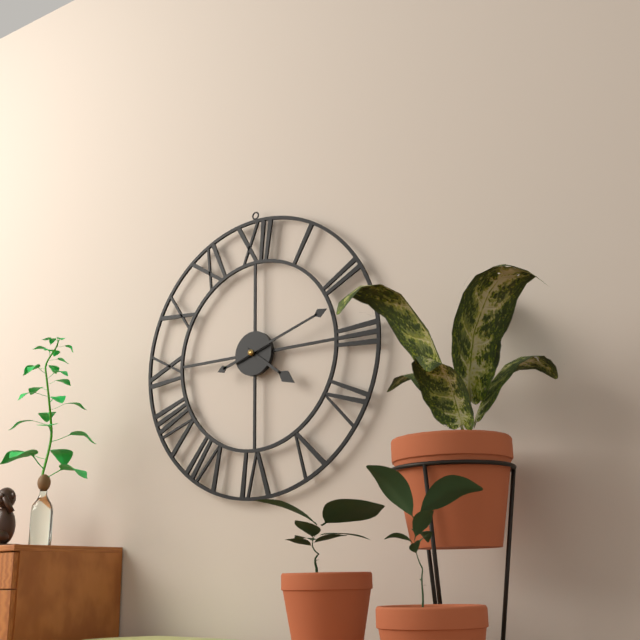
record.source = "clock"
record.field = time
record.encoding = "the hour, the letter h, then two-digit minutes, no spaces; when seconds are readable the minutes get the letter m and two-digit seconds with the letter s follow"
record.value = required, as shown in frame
4h12
